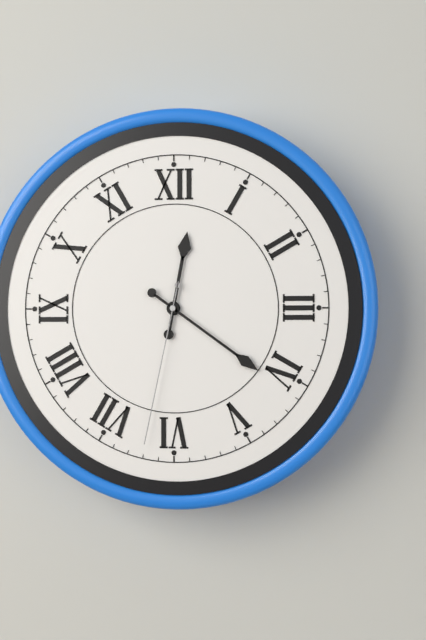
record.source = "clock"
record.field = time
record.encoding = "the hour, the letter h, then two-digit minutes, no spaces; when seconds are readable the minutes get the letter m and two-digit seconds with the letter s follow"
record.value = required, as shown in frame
12h21m32s
